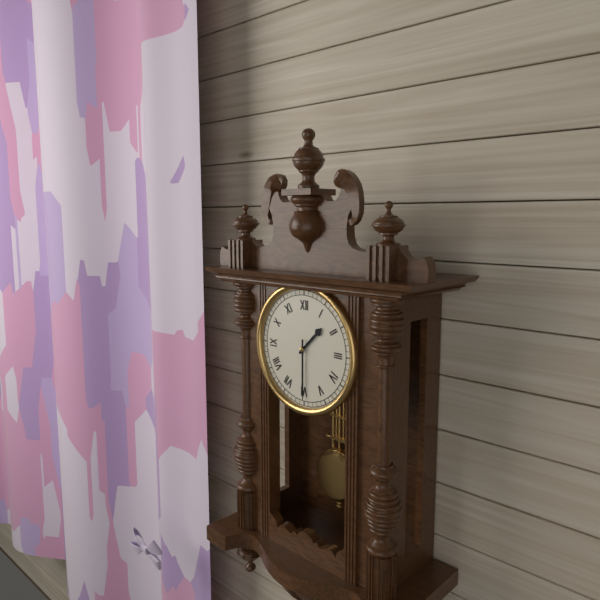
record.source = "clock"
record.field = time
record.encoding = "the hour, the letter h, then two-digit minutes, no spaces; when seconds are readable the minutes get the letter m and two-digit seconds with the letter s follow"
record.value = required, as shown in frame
1h30
